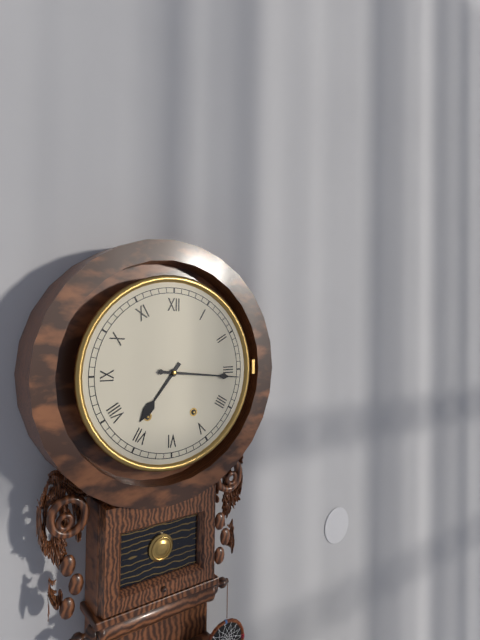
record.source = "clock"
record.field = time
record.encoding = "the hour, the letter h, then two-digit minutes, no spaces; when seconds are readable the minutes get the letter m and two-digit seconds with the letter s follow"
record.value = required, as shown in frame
7h16
